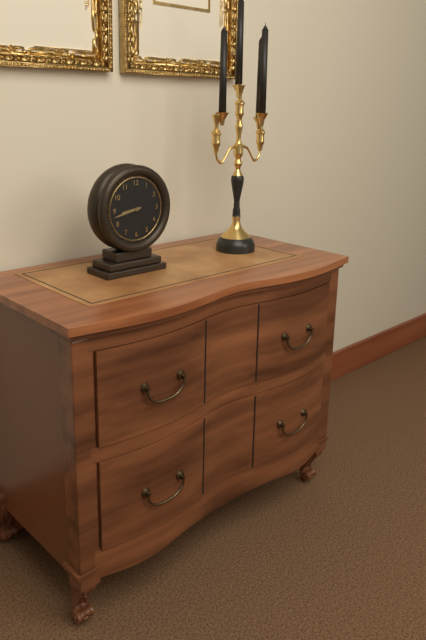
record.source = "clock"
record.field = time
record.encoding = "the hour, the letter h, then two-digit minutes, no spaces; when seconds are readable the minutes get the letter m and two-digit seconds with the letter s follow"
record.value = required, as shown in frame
8h43
